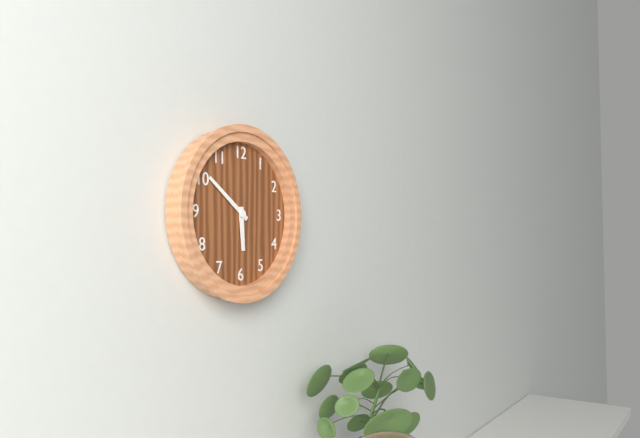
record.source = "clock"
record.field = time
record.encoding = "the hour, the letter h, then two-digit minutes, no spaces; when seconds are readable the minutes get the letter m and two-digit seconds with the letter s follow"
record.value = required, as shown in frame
5h51
